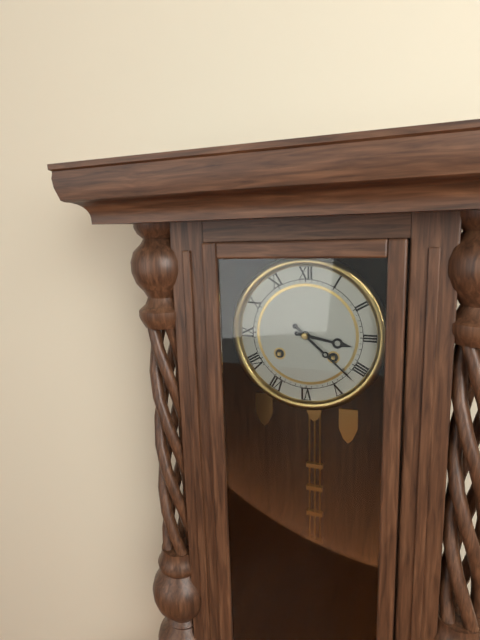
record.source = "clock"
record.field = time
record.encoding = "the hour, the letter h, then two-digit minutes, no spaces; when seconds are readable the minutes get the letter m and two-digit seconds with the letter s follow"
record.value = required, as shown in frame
3h22
